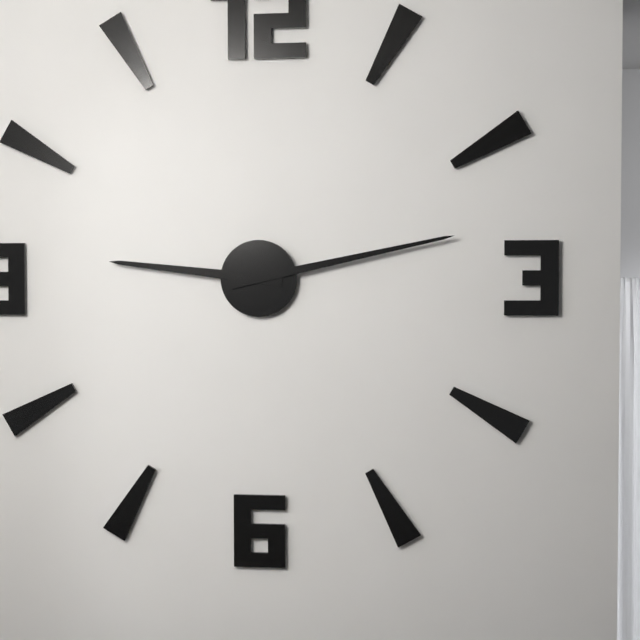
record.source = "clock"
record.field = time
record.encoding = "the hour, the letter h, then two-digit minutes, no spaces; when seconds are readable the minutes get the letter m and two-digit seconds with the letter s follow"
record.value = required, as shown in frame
9h13
